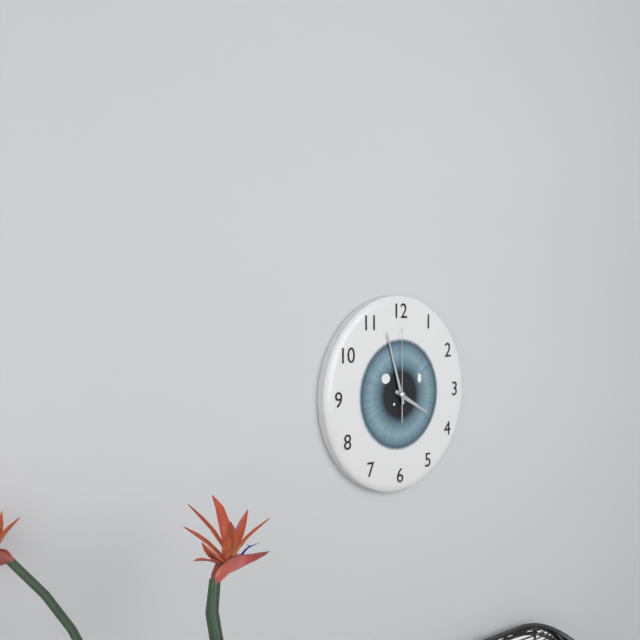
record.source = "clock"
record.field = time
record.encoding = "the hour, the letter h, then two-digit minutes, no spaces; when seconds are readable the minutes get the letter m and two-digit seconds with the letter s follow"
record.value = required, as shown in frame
3h57m00s
